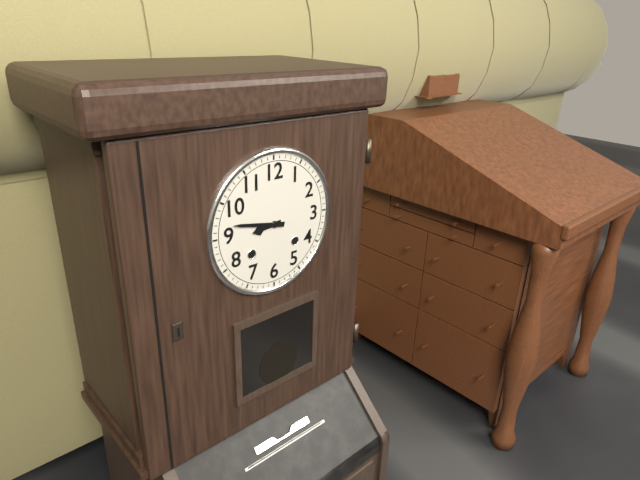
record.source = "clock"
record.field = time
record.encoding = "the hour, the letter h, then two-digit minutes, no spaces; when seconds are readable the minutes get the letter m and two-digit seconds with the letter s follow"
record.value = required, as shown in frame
8h47
